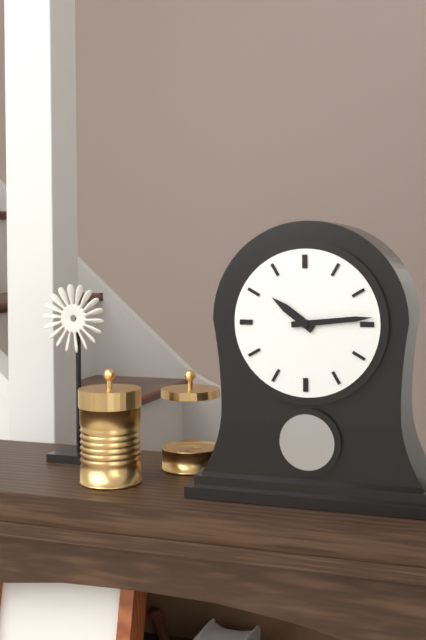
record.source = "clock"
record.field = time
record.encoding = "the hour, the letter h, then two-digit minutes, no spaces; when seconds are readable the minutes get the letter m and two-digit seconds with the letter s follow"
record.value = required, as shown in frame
10h14
